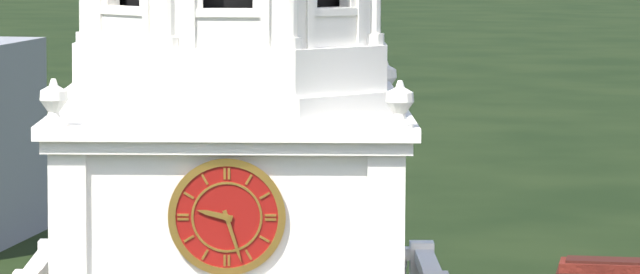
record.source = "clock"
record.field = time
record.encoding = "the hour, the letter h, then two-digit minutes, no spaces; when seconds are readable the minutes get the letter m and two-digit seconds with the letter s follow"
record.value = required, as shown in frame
9h27
